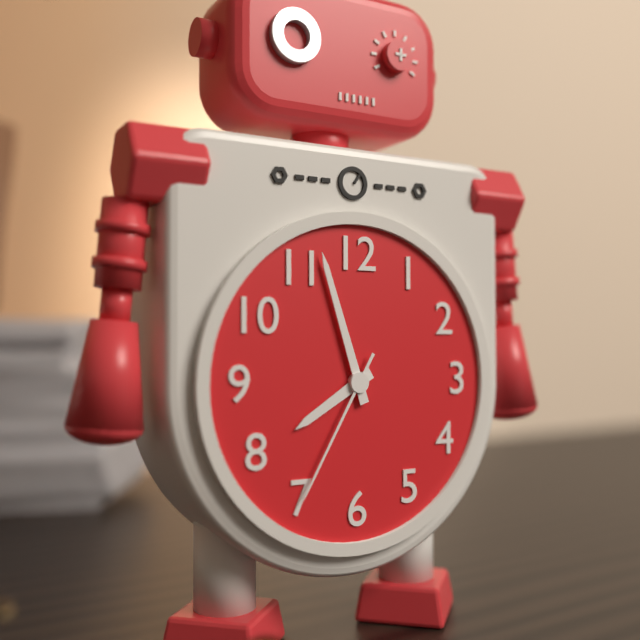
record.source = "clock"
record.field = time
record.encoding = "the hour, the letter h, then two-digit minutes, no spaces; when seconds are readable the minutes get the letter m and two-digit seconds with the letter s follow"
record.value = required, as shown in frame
7h57m35s
